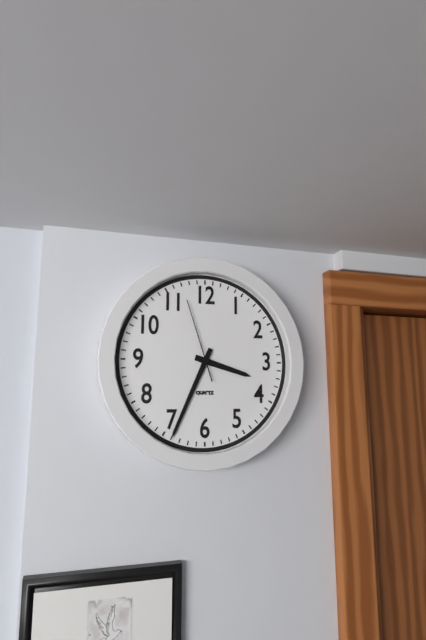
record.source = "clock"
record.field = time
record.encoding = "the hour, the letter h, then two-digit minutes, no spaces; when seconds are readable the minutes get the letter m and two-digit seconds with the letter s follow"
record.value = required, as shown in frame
3h34m57s
